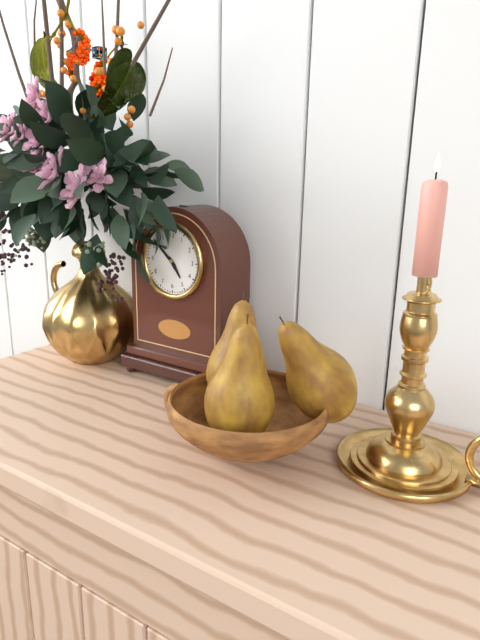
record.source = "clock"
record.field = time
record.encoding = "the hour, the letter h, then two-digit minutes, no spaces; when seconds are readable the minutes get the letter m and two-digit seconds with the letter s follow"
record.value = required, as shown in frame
4h52
